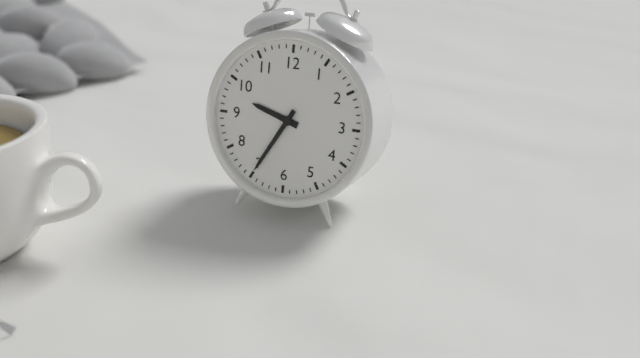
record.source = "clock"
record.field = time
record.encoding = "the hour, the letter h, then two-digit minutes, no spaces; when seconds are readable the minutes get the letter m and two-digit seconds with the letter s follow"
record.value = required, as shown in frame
9h35
